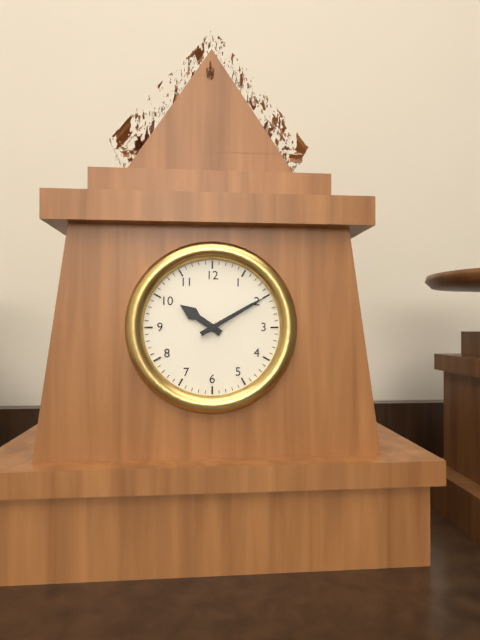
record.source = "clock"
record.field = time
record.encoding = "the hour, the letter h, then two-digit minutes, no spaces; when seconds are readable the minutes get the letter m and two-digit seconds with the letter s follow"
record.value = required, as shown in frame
10h10
